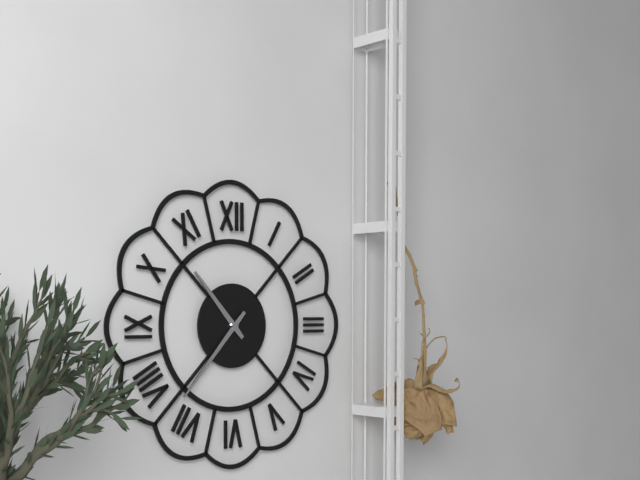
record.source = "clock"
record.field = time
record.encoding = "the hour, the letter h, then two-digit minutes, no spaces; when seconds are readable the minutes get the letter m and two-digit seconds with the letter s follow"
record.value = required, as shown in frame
10h37
